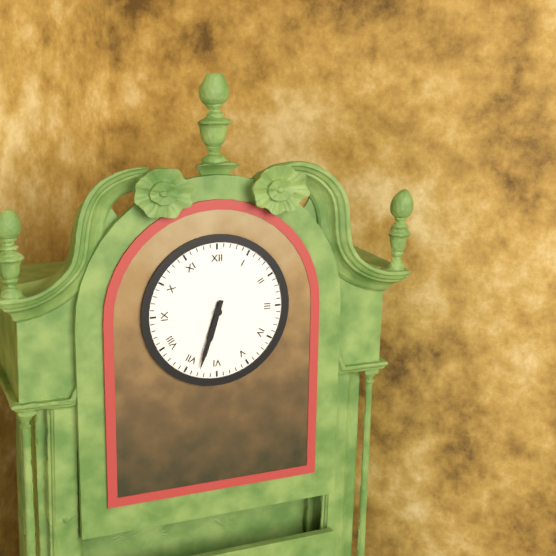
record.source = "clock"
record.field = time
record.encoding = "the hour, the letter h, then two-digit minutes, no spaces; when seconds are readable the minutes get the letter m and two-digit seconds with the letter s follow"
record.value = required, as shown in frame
6h33
